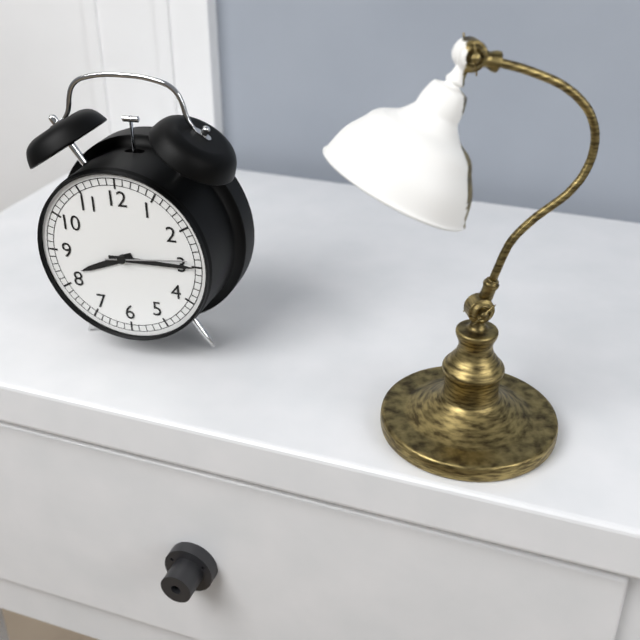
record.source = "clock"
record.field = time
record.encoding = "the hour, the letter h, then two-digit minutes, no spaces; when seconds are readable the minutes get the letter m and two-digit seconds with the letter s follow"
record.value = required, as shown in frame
8h15m14s
